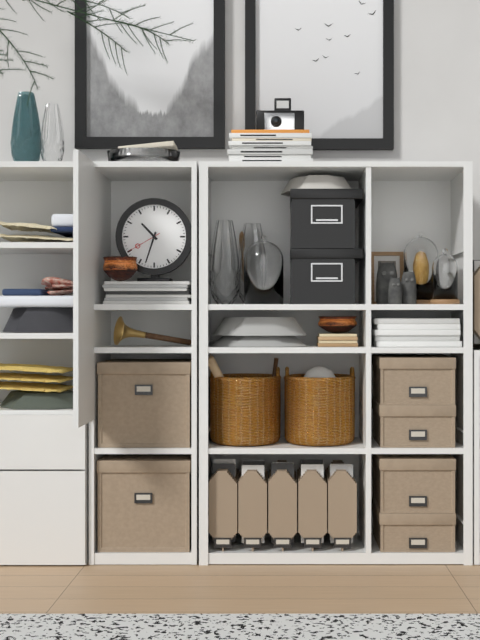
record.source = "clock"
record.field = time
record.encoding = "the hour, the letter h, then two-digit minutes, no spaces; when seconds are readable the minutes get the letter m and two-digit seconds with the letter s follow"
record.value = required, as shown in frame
10h33
